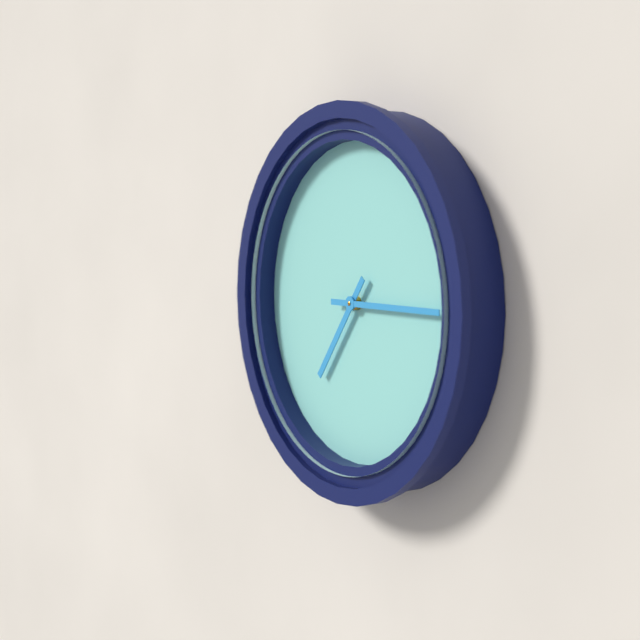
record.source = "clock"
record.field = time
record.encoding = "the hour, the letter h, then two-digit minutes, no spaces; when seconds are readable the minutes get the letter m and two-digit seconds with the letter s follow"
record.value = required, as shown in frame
7h15
